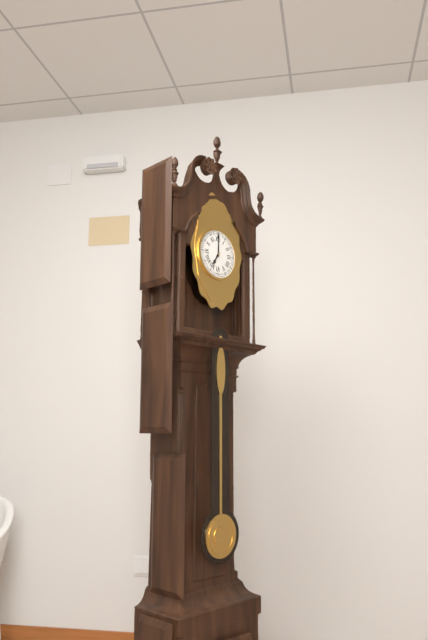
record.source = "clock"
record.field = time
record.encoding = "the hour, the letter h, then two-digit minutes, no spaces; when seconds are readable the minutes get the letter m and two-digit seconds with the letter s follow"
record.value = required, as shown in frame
7h00
